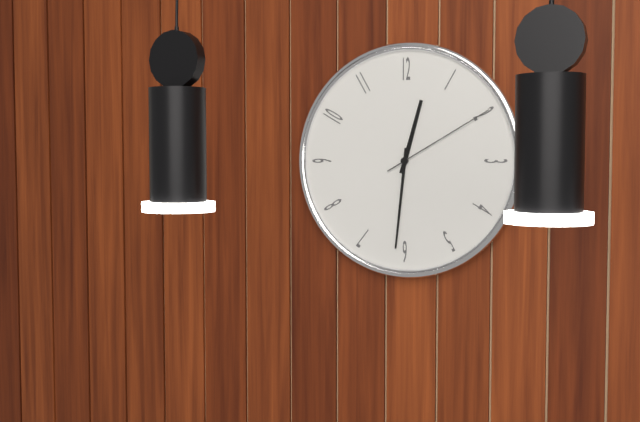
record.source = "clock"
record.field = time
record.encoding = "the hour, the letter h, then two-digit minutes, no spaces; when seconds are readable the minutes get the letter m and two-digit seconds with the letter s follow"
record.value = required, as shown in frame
12h31m10s
